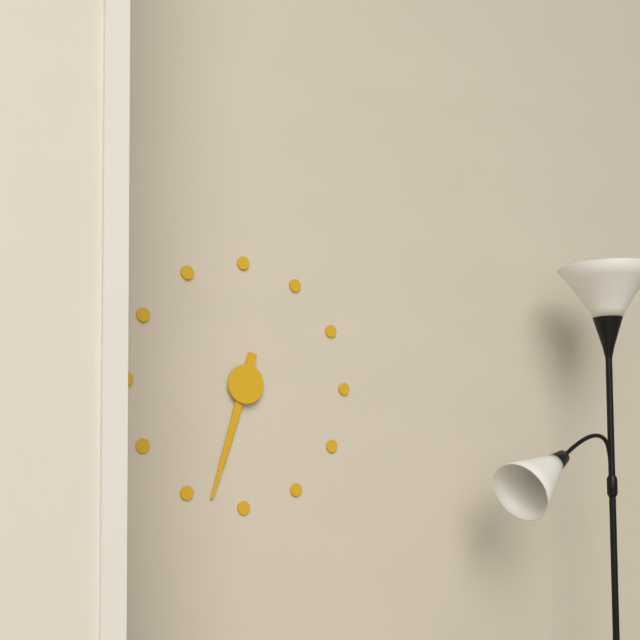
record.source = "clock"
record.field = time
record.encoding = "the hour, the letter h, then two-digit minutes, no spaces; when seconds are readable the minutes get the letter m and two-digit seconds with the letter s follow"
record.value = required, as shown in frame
6h33
